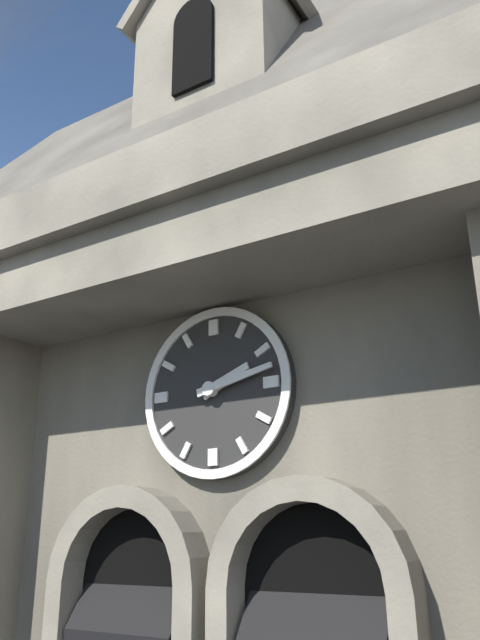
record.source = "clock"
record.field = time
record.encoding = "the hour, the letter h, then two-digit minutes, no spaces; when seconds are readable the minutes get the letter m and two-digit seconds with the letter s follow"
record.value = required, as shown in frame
2h13
